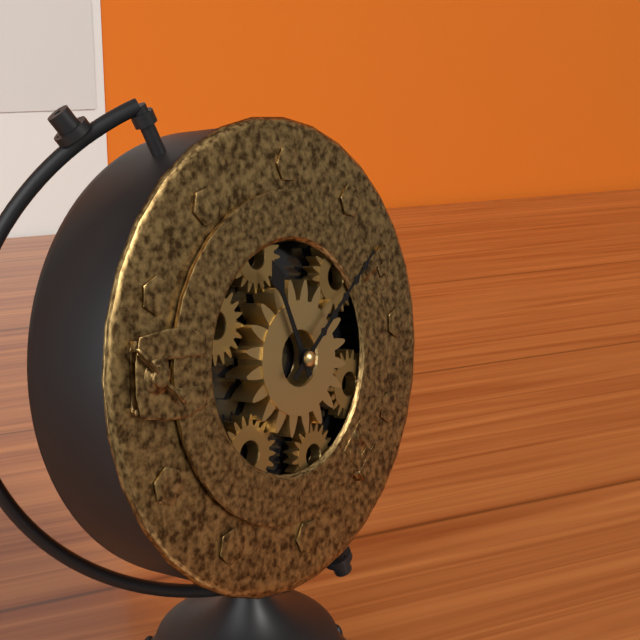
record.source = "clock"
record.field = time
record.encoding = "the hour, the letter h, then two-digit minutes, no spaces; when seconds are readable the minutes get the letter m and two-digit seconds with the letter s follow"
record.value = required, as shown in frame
11h08
